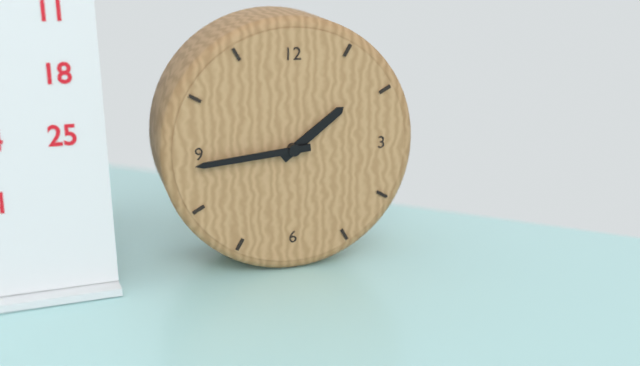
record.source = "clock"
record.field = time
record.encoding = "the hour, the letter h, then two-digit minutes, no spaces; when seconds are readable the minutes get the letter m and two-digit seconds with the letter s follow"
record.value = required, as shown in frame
1h44
